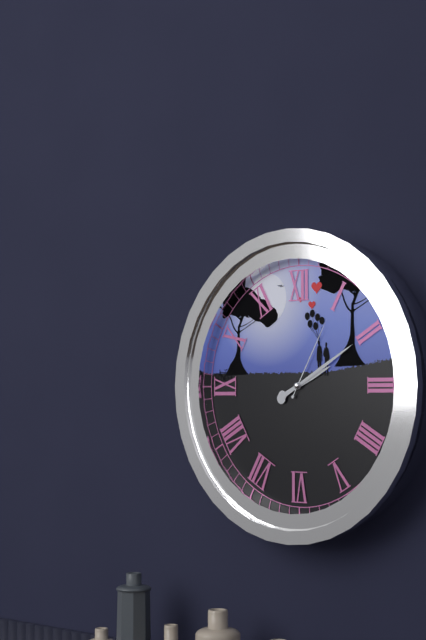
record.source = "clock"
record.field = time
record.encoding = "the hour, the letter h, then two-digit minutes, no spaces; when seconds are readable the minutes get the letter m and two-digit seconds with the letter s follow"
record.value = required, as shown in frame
2h10m05s
